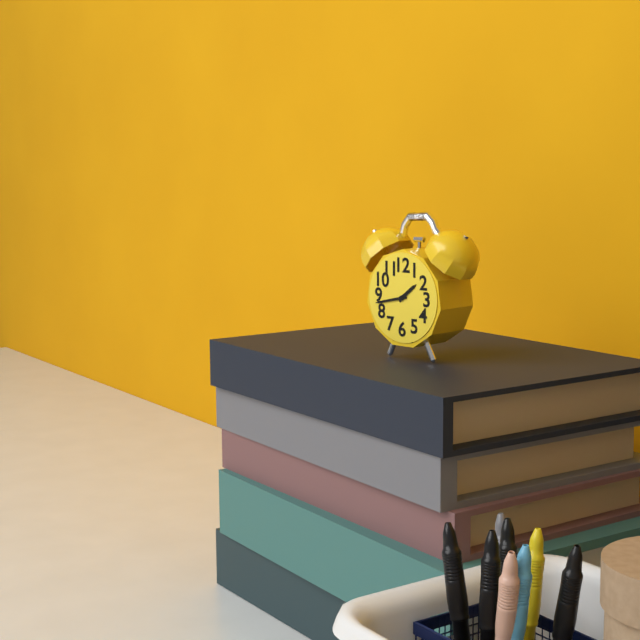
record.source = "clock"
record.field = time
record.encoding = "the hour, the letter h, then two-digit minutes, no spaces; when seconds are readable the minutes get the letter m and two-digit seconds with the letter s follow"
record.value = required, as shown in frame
1h43
